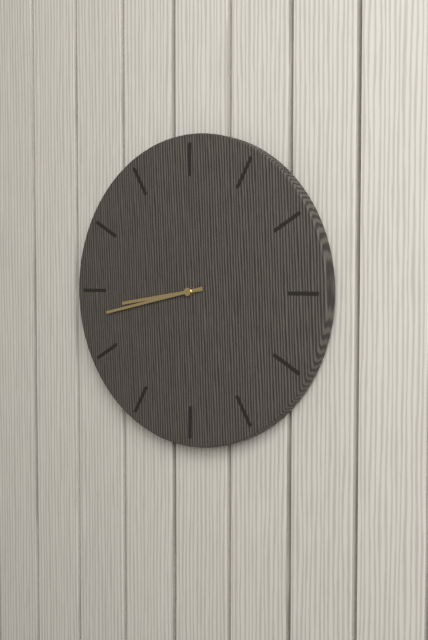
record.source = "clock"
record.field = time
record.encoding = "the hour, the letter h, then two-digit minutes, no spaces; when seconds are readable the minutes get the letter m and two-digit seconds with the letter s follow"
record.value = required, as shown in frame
8h43
